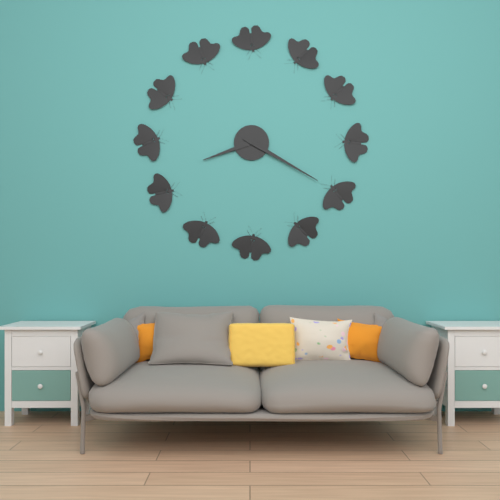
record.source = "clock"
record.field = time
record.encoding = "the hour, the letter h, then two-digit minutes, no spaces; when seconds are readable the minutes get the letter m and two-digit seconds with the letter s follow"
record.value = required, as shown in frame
8h20
